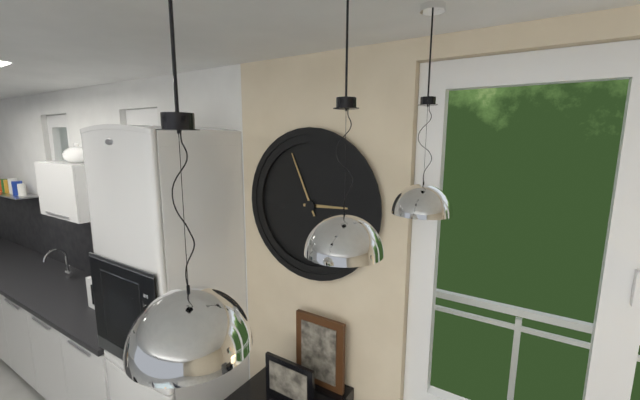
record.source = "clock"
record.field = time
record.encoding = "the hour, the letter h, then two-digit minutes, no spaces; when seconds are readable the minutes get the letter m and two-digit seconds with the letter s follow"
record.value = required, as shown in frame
2h56
